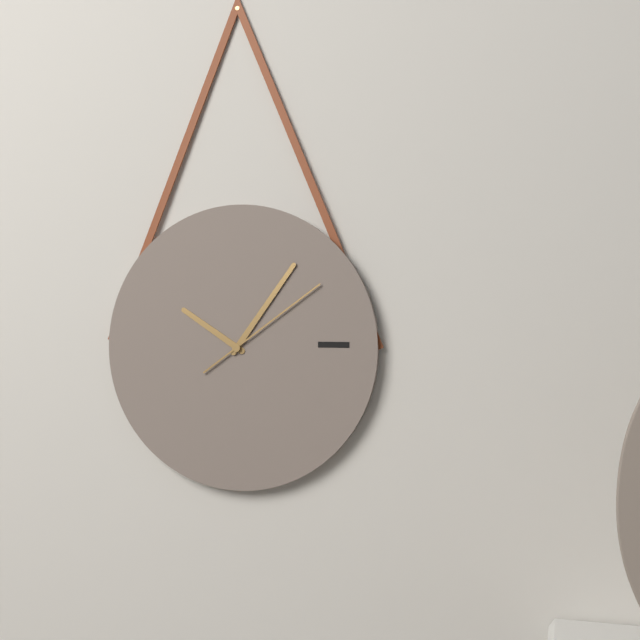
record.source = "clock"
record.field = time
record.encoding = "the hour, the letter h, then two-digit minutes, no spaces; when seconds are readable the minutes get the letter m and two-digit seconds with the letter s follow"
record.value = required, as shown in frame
10h06m09s
